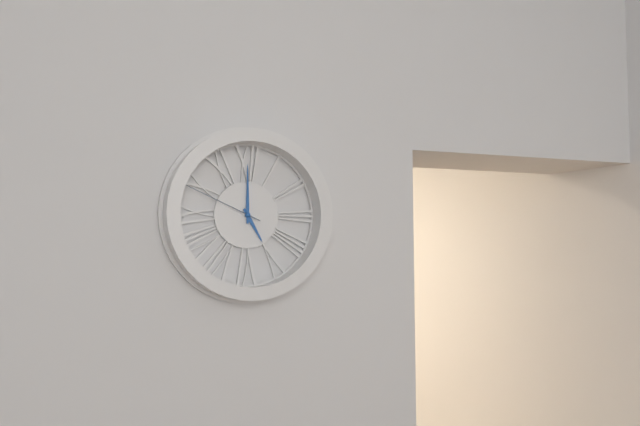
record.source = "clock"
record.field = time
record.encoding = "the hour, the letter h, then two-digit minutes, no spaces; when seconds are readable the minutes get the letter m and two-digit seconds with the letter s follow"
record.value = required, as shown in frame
5h00m49s
